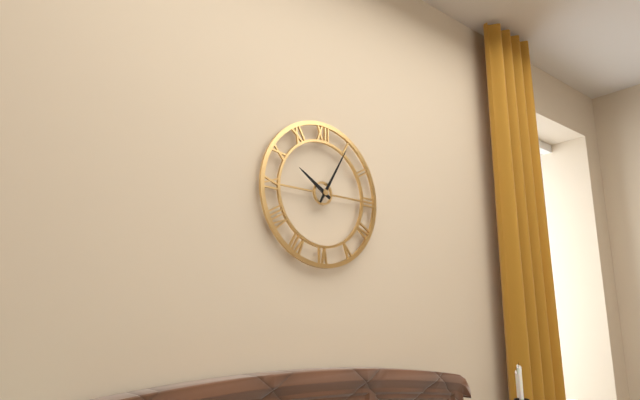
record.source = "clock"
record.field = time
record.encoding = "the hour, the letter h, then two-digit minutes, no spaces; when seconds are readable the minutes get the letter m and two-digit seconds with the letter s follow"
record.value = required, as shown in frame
10h05
